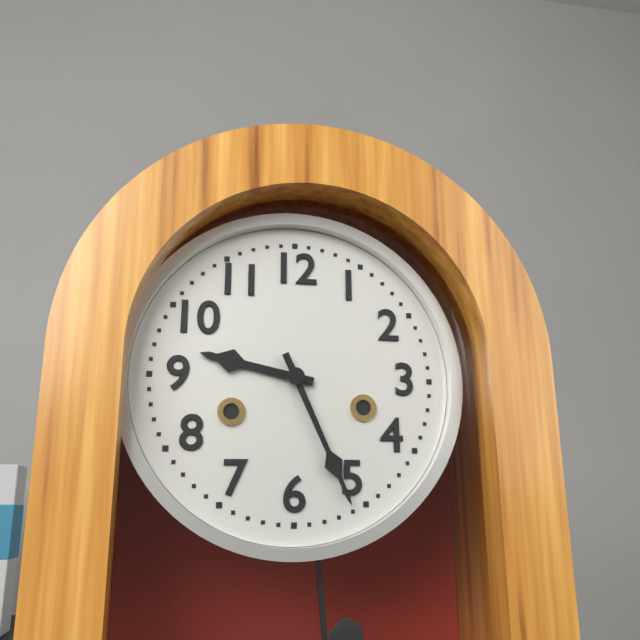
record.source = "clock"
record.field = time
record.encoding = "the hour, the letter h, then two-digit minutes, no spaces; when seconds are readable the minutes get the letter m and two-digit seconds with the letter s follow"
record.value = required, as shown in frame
9h26
